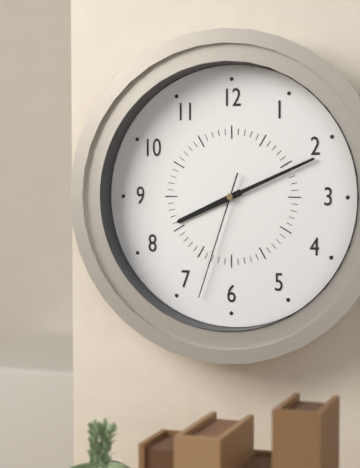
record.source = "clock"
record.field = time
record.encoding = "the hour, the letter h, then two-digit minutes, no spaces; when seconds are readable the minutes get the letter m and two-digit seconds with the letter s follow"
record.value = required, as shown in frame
8h11m33s
